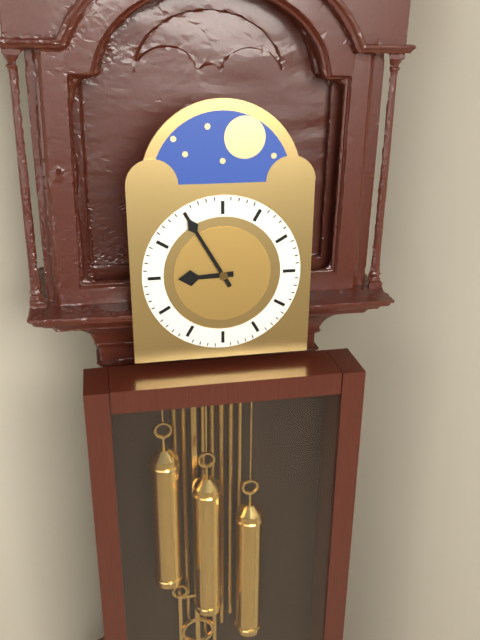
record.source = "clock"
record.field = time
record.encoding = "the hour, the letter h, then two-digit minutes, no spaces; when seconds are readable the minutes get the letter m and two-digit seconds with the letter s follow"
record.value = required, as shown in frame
8h55
